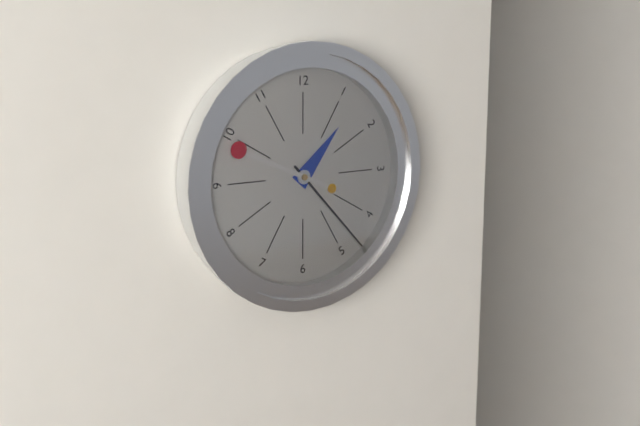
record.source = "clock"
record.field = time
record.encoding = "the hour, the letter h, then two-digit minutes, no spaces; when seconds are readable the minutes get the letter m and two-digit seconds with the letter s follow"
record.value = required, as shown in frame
1h23m49s
